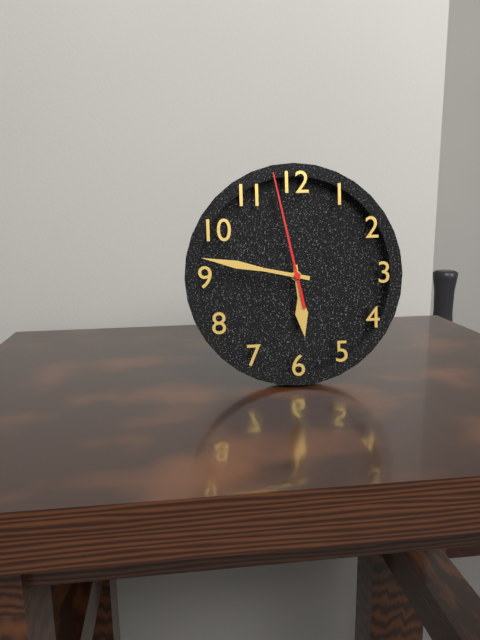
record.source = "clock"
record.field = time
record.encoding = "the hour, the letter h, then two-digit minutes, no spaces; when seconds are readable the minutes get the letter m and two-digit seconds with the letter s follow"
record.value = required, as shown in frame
5h47m58s
